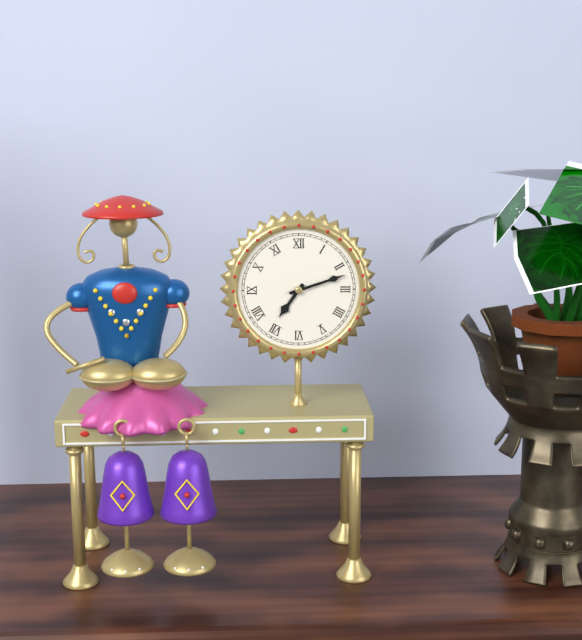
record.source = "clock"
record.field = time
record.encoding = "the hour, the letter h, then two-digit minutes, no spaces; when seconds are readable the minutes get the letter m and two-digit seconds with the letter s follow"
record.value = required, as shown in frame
7h12
